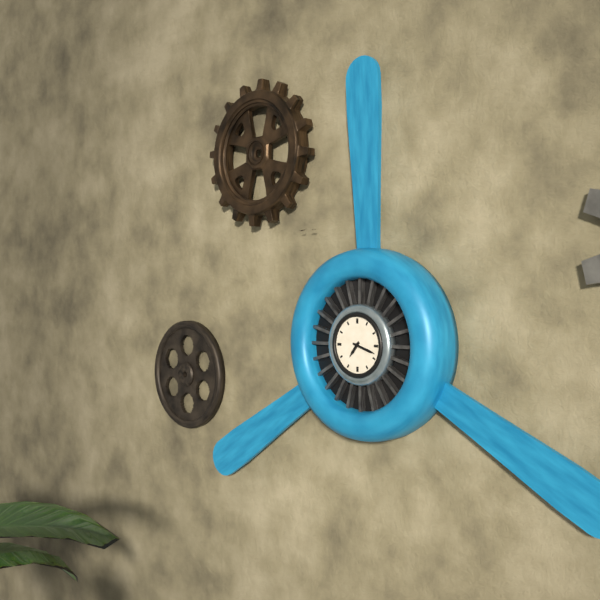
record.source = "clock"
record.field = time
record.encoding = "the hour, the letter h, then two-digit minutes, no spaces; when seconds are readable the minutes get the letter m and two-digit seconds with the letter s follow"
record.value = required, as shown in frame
7h18
